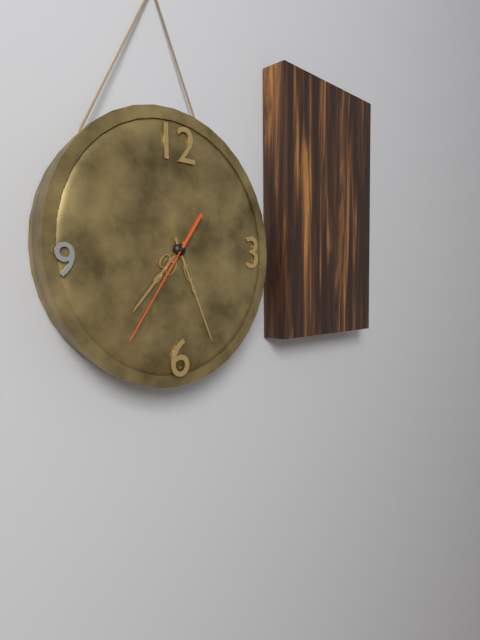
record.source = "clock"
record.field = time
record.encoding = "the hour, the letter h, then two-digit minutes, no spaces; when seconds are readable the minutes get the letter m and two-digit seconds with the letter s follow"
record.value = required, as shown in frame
7h26m36s
